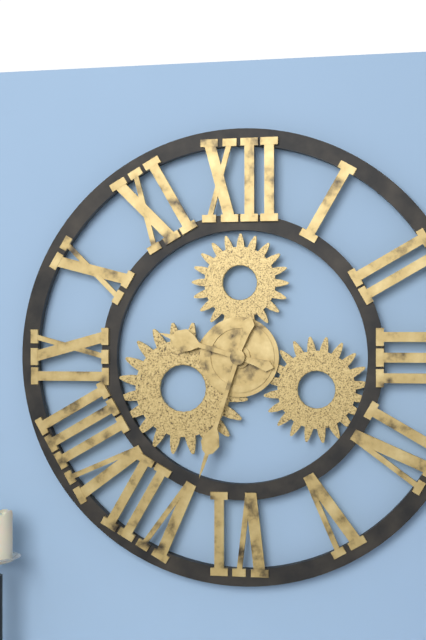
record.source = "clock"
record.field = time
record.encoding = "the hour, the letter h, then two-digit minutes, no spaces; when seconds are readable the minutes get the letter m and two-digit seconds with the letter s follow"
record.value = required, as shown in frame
9h33
